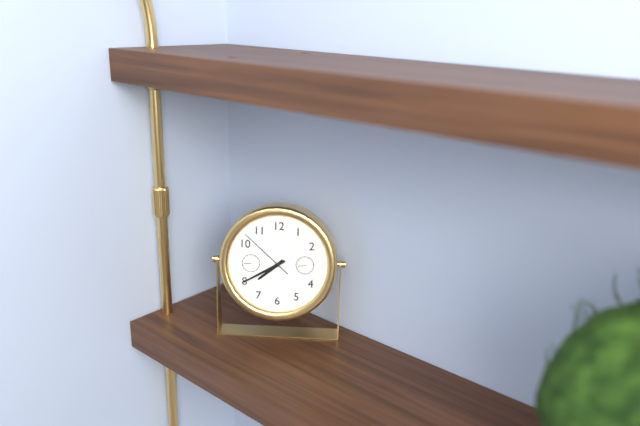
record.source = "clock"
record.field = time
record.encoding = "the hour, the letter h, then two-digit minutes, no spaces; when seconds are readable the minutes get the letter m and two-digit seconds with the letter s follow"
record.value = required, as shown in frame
7h40m52s
